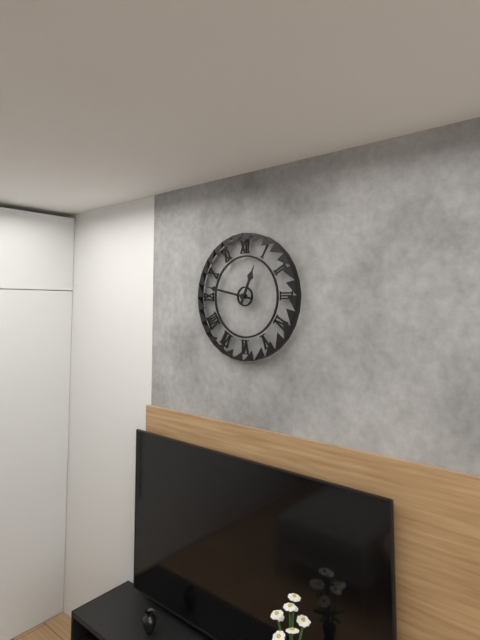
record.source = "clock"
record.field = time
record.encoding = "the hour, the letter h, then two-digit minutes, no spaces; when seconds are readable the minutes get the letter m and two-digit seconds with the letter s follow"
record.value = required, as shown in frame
12h47
